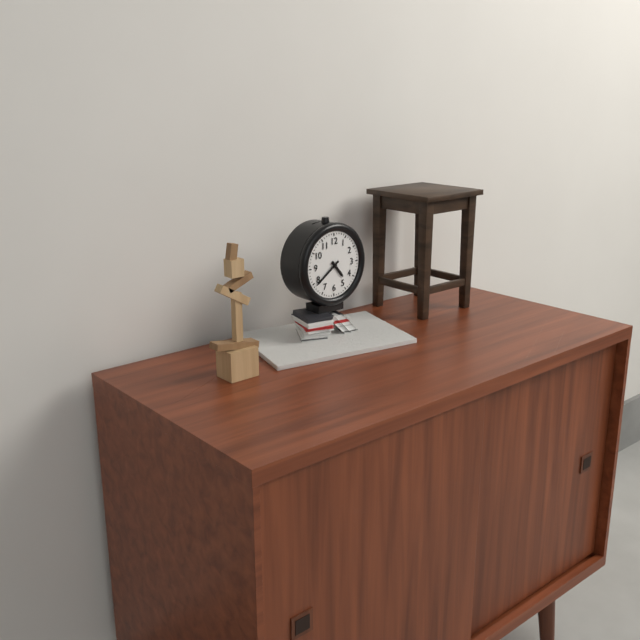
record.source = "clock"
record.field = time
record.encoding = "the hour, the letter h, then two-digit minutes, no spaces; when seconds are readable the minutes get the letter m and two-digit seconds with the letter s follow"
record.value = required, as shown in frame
4h39
